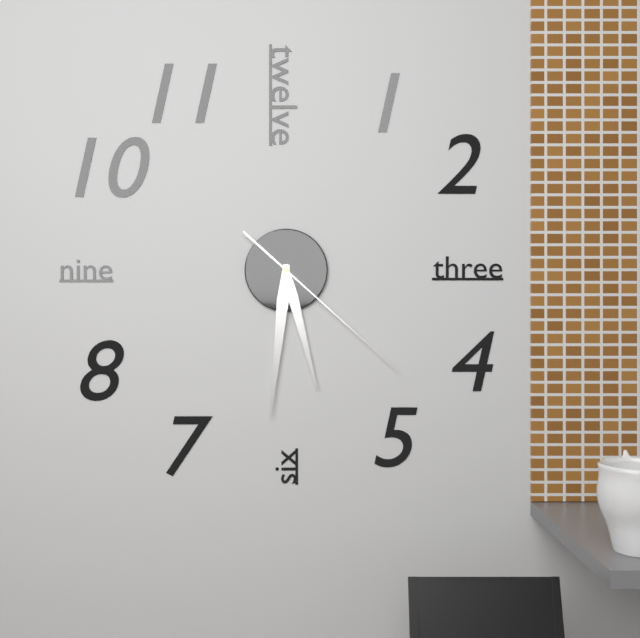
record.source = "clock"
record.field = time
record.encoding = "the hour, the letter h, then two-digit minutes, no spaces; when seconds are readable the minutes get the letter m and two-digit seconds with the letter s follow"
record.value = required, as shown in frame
5h31m22s
